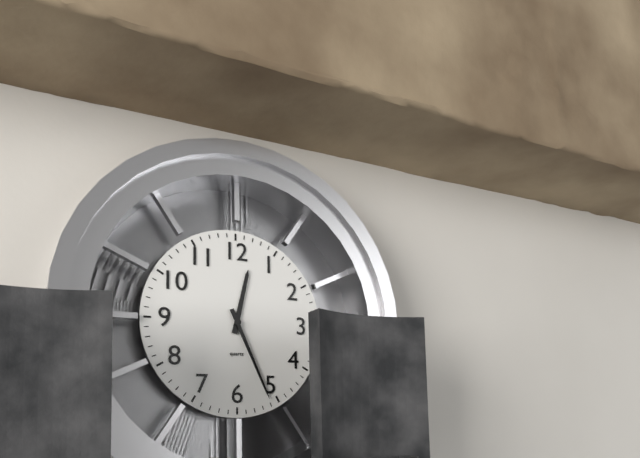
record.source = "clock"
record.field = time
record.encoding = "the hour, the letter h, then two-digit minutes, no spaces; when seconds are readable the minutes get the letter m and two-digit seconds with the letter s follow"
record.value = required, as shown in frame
12h26
